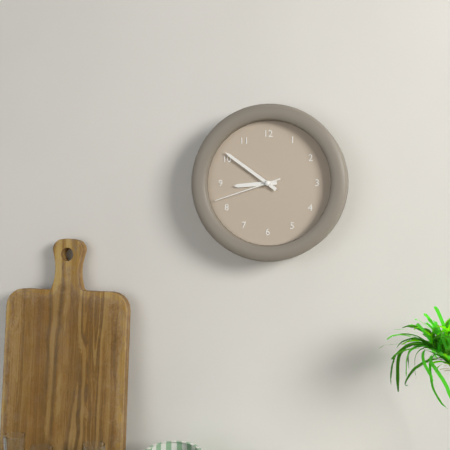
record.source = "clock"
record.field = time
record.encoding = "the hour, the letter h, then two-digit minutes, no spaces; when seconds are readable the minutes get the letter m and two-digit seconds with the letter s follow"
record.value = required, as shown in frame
8h51m42s
